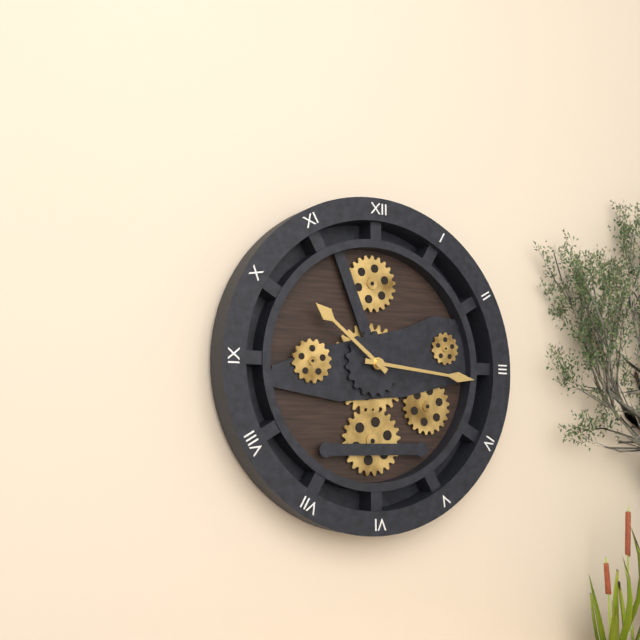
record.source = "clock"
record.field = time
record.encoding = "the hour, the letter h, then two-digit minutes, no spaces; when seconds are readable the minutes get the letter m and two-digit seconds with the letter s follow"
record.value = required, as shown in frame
10h16
